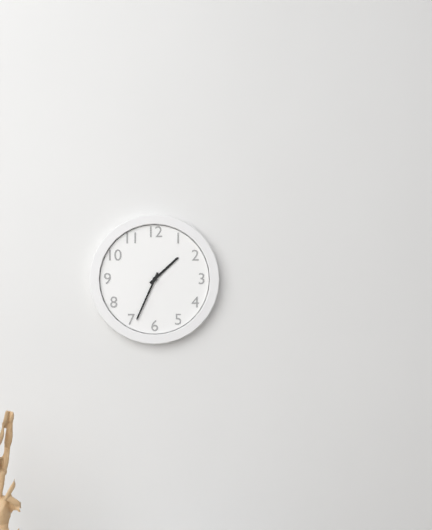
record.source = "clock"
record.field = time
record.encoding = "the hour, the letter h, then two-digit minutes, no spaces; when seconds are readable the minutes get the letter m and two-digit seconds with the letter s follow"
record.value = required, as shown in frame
1h34
